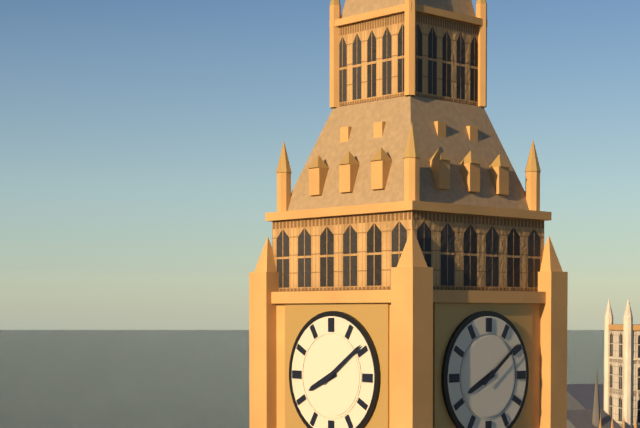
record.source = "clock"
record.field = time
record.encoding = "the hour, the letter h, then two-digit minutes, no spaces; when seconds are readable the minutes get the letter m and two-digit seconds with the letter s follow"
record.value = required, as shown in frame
8h09
